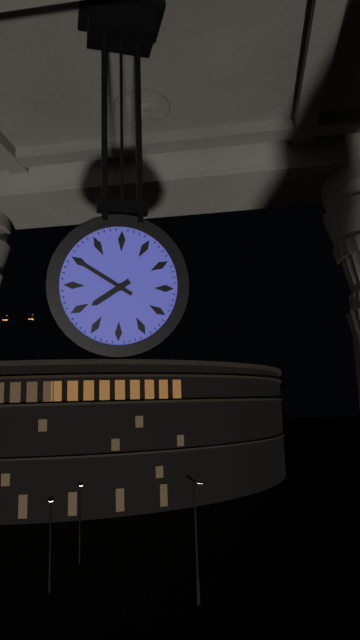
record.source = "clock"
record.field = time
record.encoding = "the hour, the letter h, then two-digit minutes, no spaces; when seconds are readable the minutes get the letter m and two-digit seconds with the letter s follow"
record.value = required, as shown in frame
7h50
